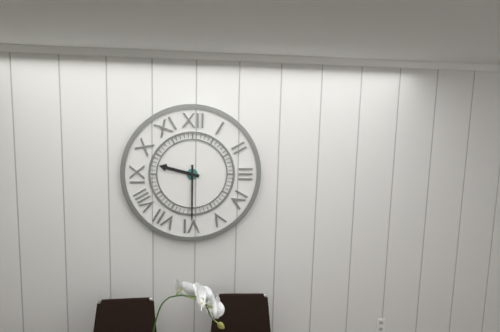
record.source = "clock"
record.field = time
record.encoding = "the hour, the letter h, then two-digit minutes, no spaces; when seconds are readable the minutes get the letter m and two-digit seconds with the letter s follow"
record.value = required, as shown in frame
9h30
